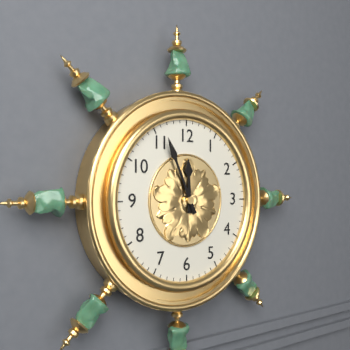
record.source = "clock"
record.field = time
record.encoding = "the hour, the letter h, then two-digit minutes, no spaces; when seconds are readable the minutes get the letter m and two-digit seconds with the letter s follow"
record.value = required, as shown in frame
11h56
